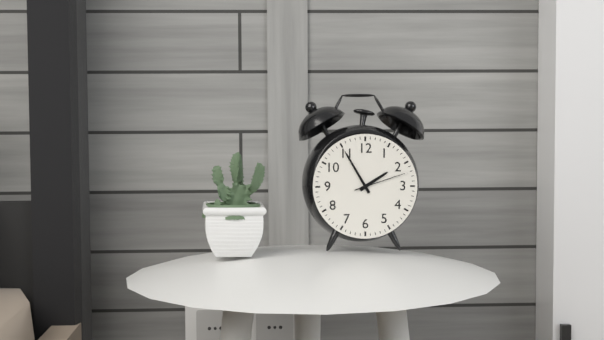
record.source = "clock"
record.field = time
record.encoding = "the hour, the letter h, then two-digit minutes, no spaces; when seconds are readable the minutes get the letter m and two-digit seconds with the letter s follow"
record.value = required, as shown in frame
1h55m12s
